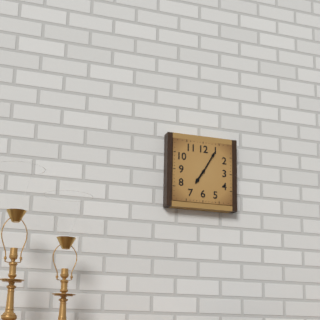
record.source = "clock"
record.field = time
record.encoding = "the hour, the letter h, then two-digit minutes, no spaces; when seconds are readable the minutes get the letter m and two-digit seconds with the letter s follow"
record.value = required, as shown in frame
7h05
